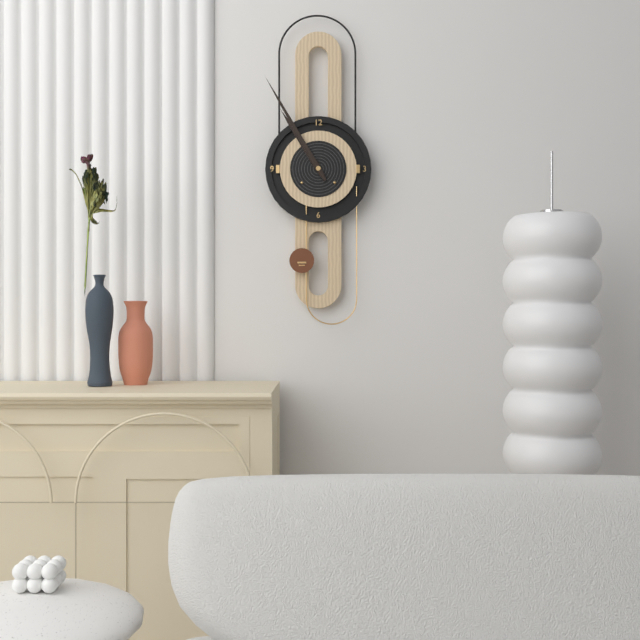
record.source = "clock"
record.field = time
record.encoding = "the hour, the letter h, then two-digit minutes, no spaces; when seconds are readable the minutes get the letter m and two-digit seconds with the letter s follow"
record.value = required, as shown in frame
10h55
